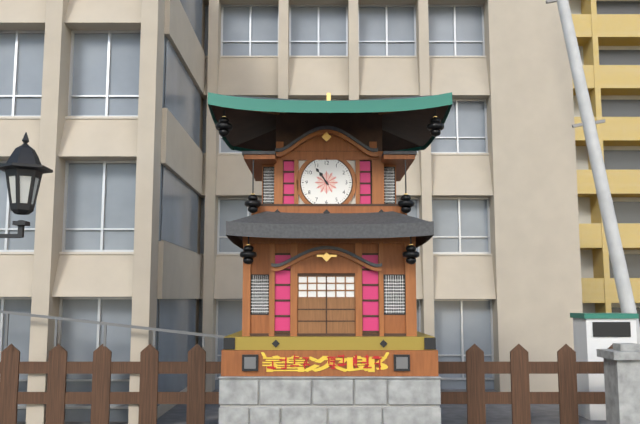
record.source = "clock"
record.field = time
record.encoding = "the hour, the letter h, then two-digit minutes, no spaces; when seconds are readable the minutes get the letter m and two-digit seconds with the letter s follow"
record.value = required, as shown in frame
10h54
